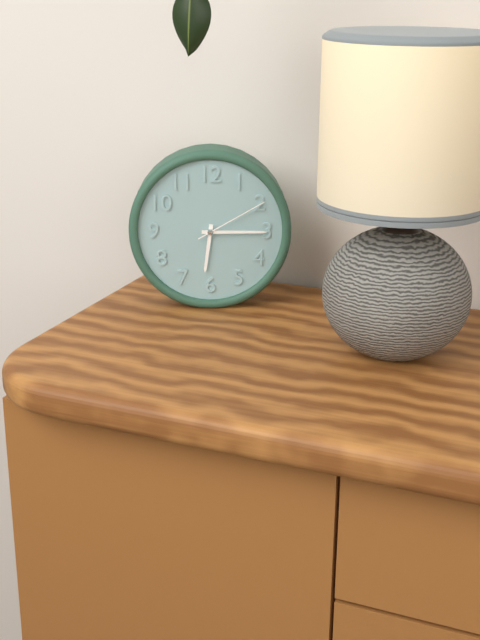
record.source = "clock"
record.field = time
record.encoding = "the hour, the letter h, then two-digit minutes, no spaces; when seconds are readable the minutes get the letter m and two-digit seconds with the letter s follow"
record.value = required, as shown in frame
6h15m10s
